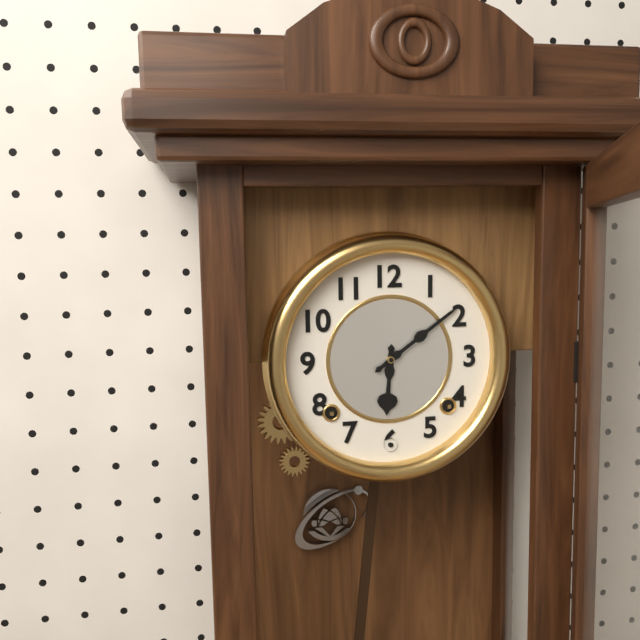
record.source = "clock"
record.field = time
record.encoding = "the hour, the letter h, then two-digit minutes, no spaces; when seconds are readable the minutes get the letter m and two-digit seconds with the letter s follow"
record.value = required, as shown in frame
6h09
